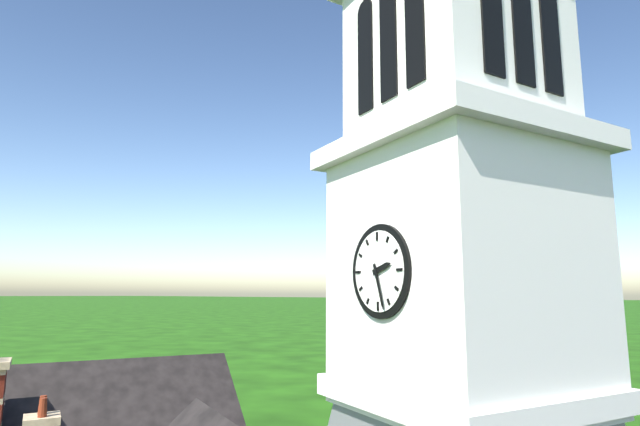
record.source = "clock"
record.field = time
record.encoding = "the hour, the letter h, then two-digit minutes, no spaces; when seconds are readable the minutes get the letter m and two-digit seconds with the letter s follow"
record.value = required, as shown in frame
2h27
